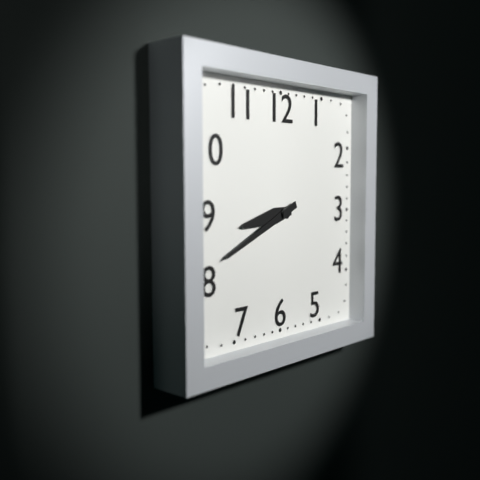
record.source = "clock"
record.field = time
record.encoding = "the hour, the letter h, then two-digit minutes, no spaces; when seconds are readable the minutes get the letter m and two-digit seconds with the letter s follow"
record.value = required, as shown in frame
8h41
